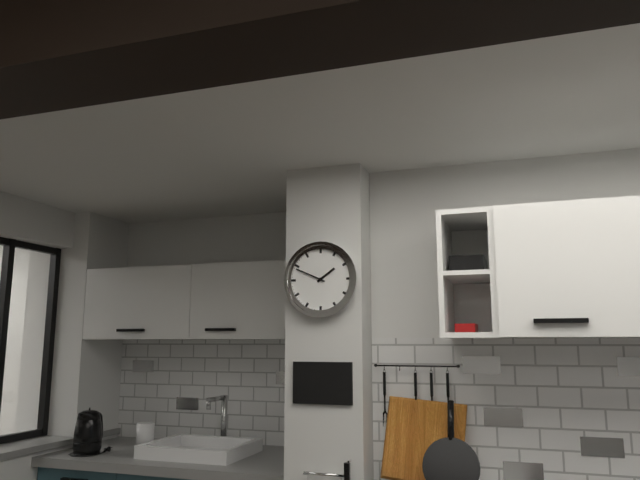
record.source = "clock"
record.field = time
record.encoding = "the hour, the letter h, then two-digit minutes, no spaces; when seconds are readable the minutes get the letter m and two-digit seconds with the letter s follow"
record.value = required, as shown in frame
1h49
